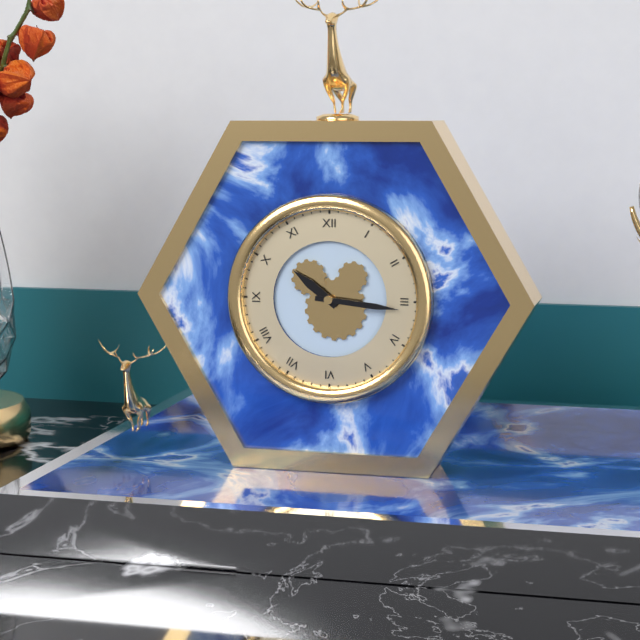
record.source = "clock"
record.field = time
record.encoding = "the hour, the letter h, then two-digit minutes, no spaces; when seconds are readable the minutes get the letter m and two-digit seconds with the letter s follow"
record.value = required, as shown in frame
10h16
